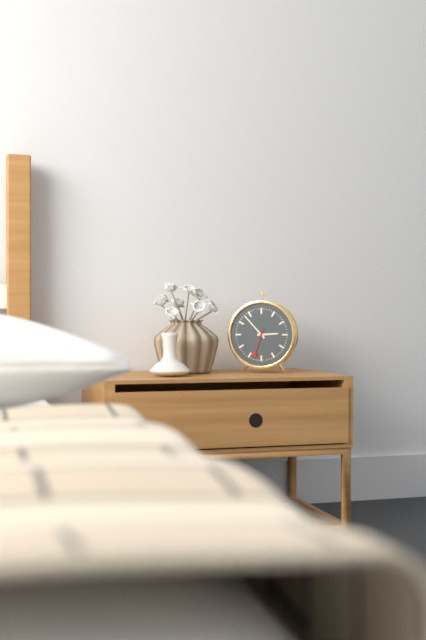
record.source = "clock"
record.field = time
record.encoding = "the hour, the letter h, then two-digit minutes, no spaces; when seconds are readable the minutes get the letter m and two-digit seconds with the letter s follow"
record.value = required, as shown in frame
2h53
